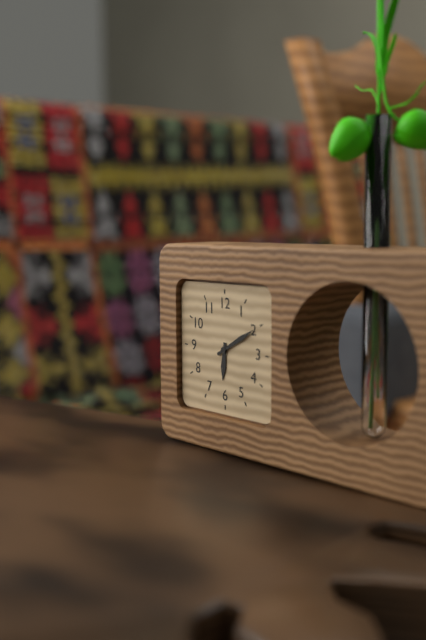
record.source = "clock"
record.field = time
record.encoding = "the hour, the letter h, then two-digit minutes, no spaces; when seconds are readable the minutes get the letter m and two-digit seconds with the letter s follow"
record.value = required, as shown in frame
6h10
